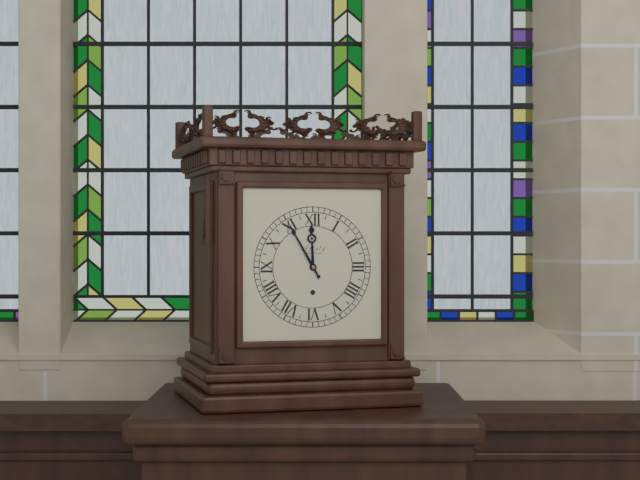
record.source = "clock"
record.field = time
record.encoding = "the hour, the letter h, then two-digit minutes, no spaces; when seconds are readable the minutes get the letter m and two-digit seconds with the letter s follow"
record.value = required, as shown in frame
11h55
